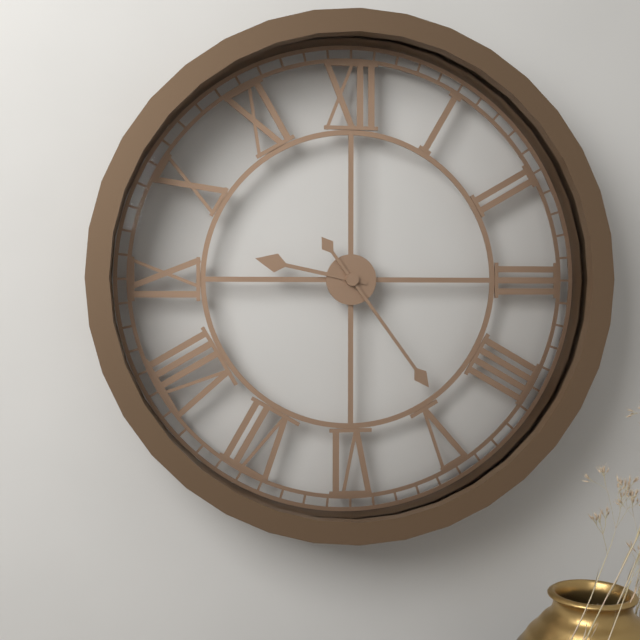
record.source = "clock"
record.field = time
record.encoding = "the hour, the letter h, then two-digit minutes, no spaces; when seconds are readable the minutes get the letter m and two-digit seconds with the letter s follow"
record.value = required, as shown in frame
9h24
